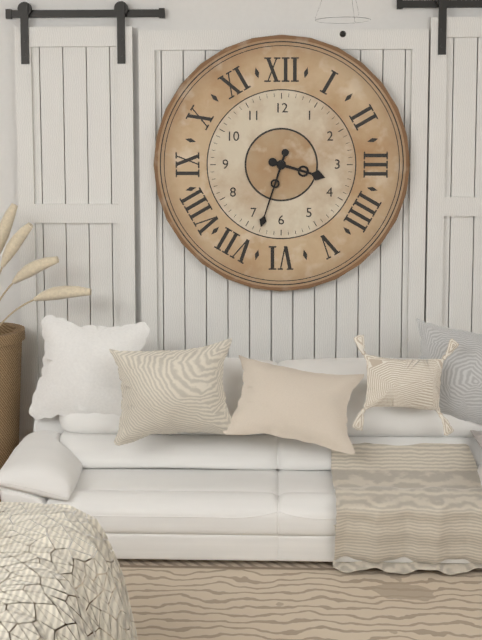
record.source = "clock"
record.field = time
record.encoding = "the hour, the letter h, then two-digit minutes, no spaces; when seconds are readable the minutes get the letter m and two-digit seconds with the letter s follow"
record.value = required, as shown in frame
3h33
